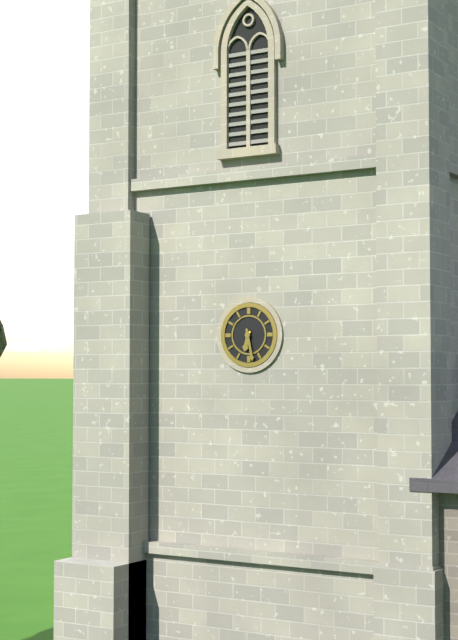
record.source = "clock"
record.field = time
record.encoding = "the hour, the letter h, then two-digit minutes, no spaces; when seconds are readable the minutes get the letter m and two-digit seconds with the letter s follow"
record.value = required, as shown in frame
6h28
